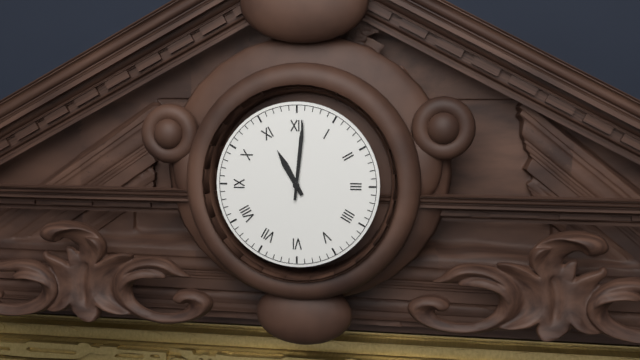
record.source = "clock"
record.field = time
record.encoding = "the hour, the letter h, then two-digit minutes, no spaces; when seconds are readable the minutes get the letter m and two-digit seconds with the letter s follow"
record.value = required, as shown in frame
11h01
